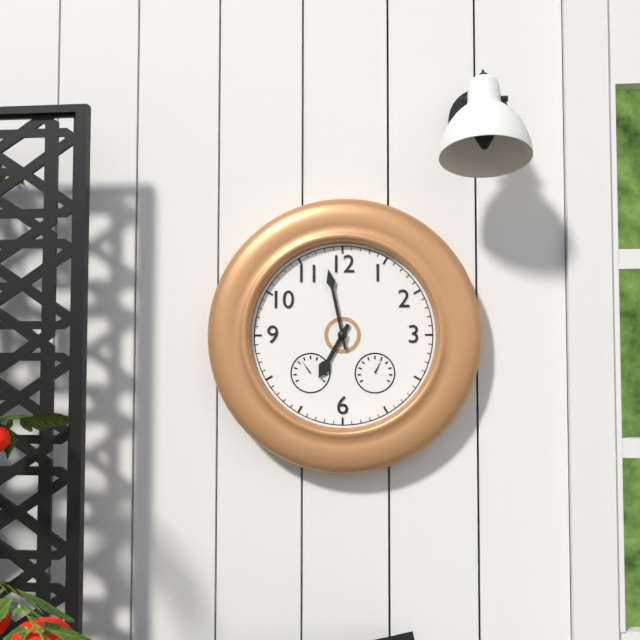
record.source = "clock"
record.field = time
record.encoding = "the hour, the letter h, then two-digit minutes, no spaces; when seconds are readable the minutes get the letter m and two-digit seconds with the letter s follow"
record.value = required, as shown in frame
6h58
